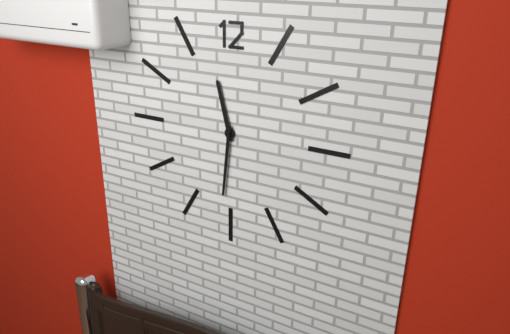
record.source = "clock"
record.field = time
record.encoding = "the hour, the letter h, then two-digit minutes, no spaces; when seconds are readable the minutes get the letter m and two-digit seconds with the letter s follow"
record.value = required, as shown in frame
11h31
